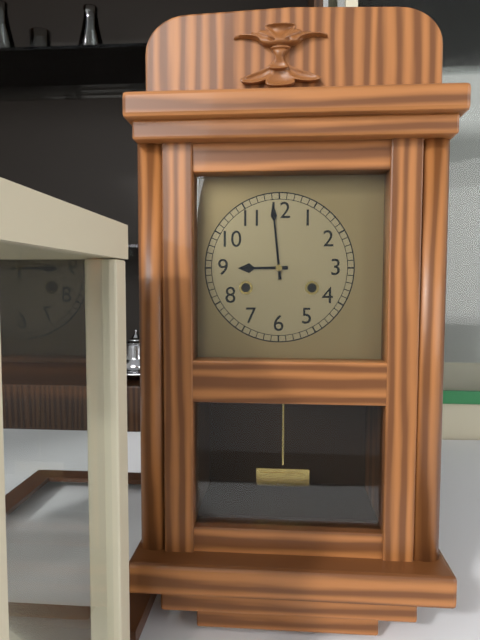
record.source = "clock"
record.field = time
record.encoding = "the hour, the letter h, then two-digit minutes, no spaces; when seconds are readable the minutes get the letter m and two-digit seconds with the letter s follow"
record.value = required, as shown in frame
8h59
